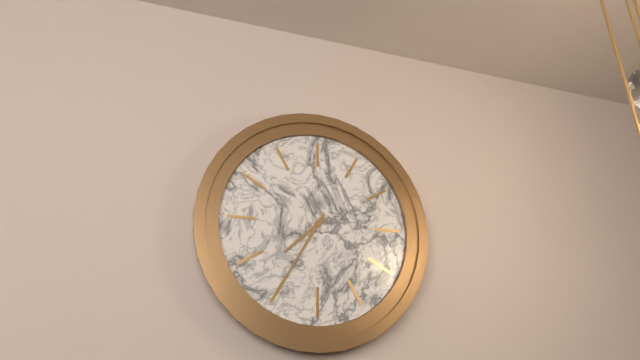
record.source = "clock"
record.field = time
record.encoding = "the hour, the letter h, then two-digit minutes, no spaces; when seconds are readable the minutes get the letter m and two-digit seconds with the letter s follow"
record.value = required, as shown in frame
7h35
